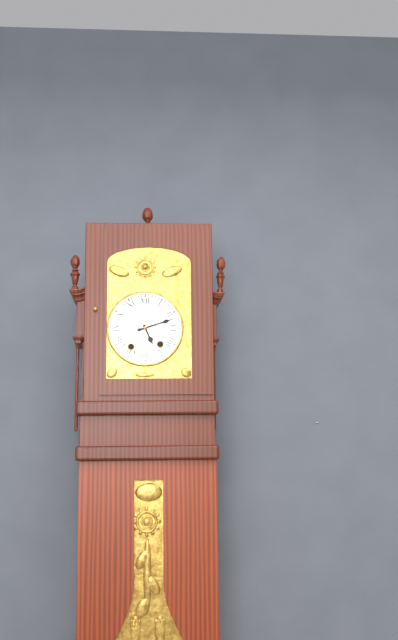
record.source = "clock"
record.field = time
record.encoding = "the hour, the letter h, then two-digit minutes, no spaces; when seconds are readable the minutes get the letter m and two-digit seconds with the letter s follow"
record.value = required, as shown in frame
5h12
